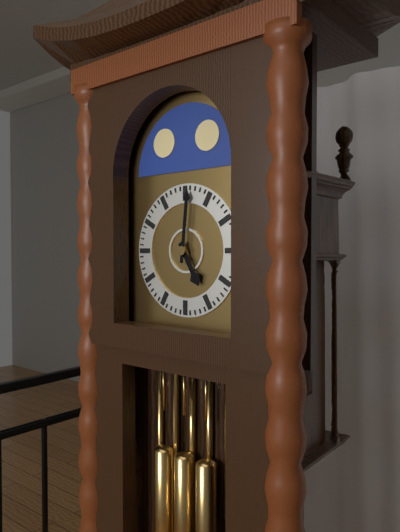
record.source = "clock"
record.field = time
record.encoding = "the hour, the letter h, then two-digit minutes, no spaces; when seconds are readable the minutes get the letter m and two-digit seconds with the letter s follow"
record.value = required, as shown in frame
5h01
